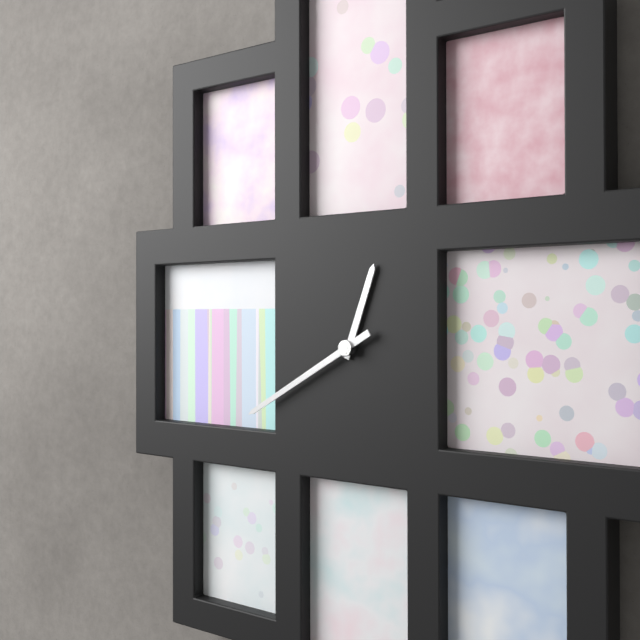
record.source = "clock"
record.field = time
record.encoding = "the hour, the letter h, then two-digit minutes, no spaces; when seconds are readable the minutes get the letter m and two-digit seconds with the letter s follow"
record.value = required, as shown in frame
12h40
